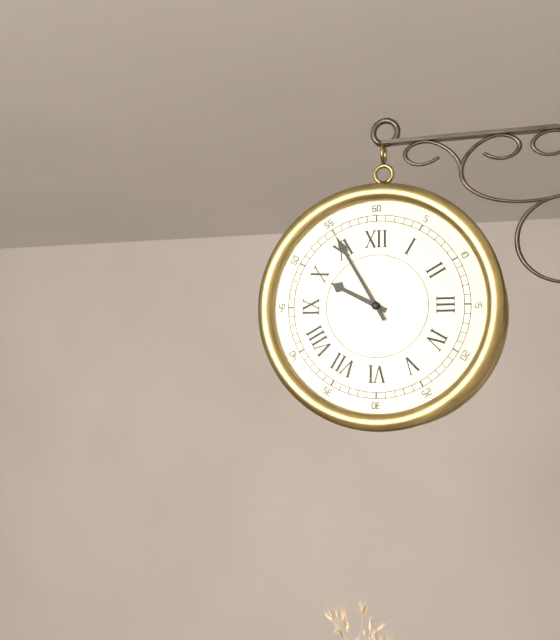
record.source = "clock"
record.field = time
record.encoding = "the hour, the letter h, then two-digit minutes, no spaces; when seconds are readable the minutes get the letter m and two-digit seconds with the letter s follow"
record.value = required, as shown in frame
9h55
